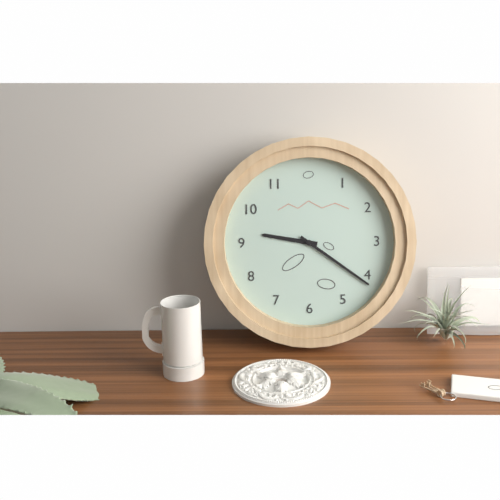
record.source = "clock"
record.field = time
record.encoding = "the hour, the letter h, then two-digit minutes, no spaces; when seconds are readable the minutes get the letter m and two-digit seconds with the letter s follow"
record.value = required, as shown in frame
9h21
